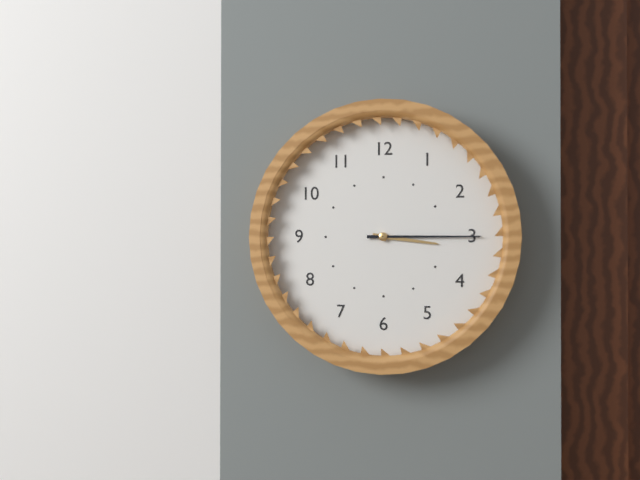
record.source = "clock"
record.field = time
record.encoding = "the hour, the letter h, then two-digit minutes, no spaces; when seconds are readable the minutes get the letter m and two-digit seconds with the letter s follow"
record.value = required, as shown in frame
3h15
